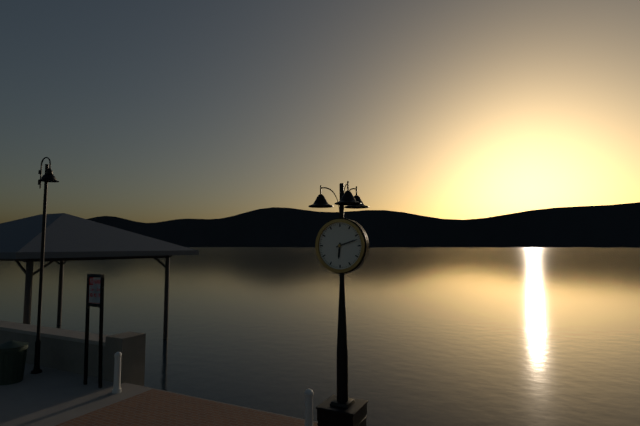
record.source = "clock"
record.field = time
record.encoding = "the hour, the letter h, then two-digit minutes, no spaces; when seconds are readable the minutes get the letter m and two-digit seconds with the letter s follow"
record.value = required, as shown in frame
6h12
